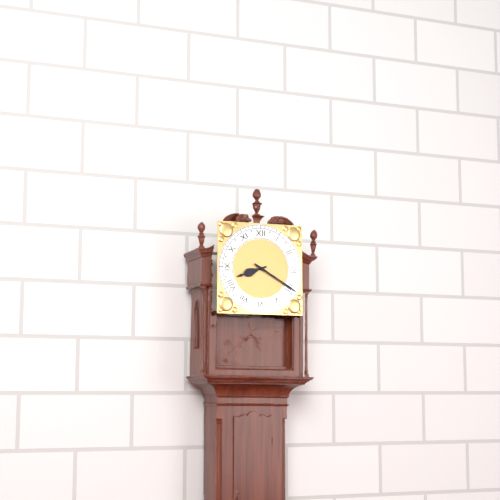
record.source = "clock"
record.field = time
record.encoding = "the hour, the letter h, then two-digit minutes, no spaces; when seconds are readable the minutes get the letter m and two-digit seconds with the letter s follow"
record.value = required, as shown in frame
8h20
